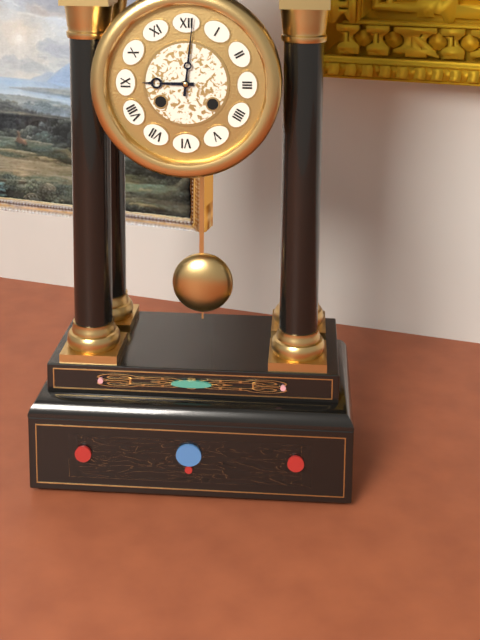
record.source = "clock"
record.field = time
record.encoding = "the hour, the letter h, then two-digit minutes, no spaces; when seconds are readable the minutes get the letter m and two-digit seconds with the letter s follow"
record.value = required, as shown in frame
9h01
